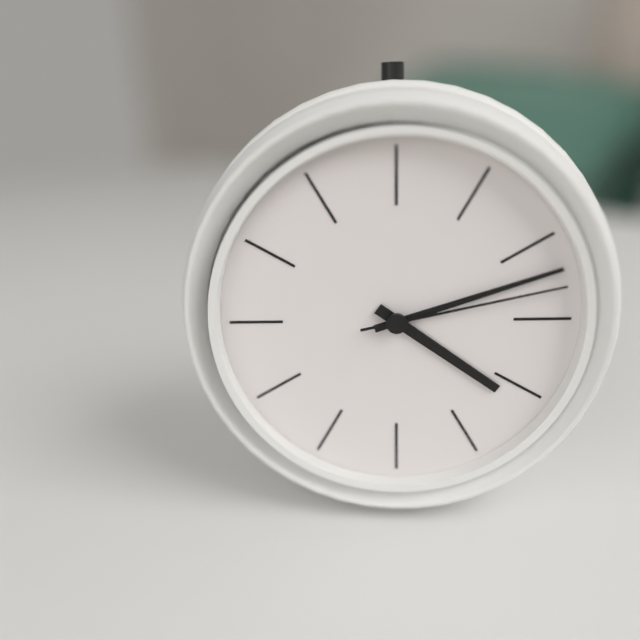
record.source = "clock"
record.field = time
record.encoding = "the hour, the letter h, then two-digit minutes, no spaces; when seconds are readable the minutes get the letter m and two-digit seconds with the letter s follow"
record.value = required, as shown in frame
4h12m13s
